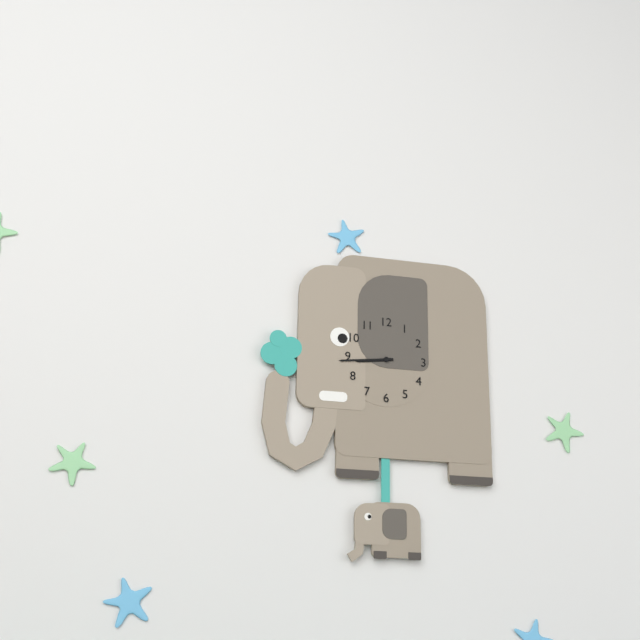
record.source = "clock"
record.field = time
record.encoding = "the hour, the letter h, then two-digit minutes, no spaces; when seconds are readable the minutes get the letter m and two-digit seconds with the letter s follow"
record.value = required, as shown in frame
8h44
